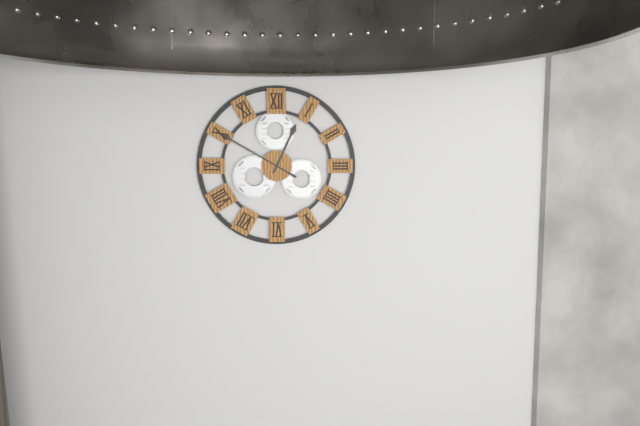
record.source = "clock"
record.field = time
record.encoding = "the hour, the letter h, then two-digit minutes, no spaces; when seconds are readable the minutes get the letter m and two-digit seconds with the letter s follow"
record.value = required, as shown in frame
12h50
